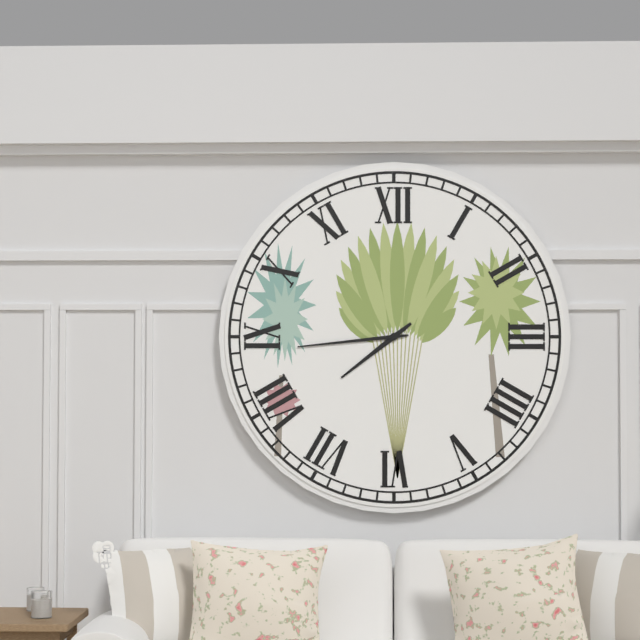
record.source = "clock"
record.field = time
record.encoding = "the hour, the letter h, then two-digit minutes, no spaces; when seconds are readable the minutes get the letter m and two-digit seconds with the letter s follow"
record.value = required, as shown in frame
7h44
